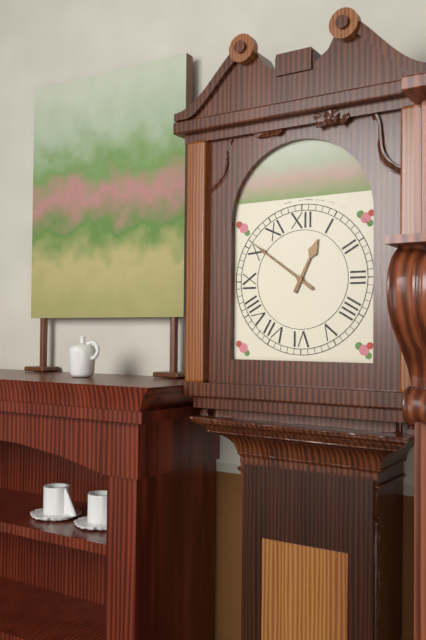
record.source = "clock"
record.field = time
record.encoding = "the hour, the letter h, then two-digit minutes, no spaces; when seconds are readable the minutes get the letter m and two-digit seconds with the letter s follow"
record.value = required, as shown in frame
12h51
